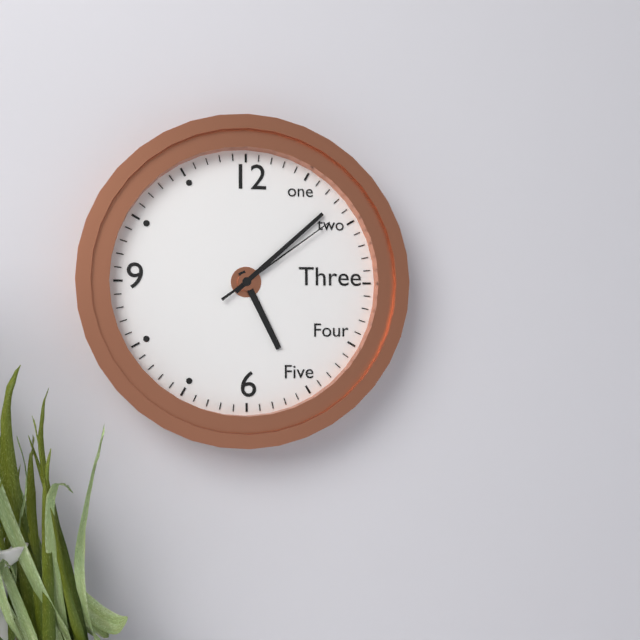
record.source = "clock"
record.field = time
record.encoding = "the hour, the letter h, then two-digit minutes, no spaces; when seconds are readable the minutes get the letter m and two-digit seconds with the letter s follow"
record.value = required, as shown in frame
5h08m09s
